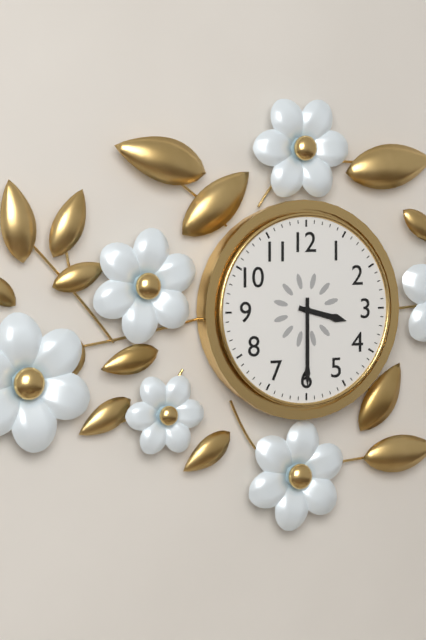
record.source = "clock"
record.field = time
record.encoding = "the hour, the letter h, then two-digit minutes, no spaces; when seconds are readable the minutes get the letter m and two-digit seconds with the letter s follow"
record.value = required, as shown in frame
3h30
